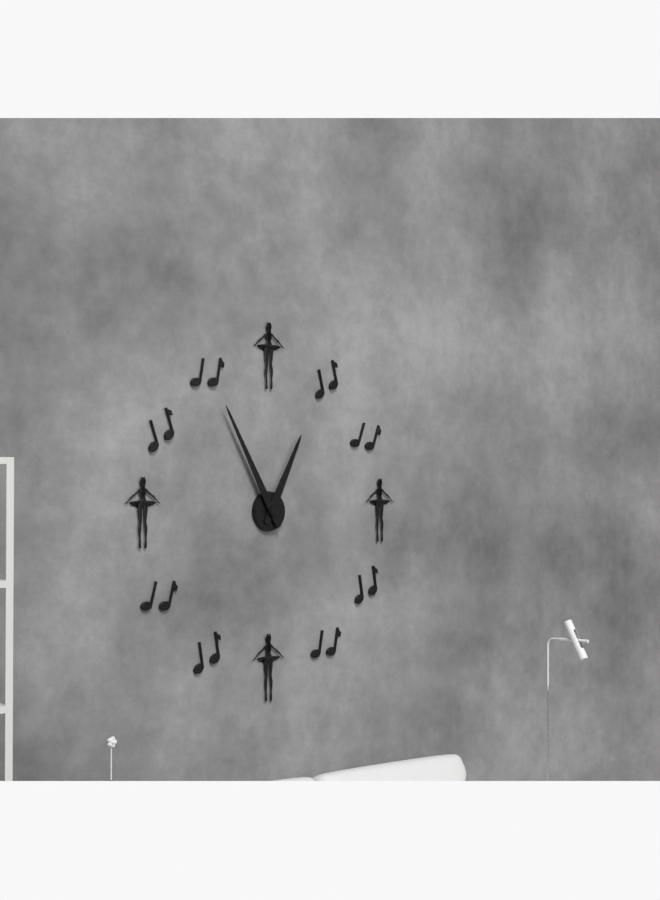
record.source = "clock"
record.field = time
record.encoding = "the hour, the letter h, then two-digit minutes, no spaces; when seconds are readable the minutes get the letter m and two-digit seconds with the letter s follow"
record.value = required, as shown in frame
12h55
